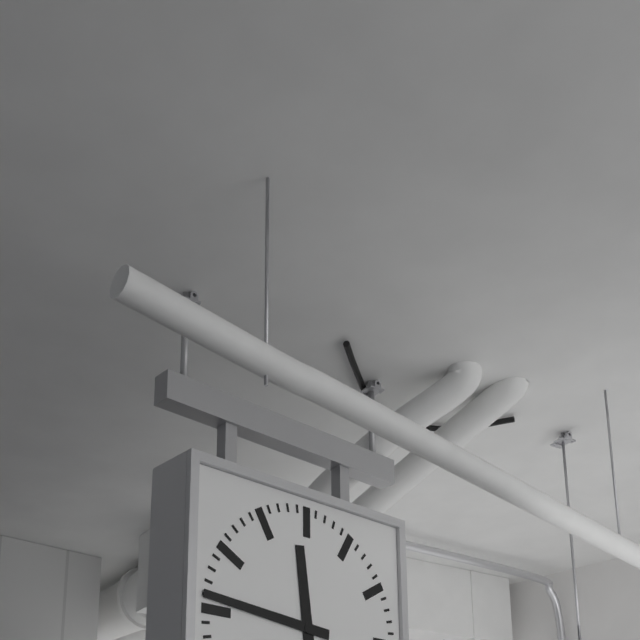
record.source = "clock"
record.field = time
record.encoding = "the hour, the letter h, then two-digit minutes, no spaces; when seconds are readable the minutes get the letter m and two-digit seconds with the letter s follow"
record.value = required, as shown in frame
11h46
